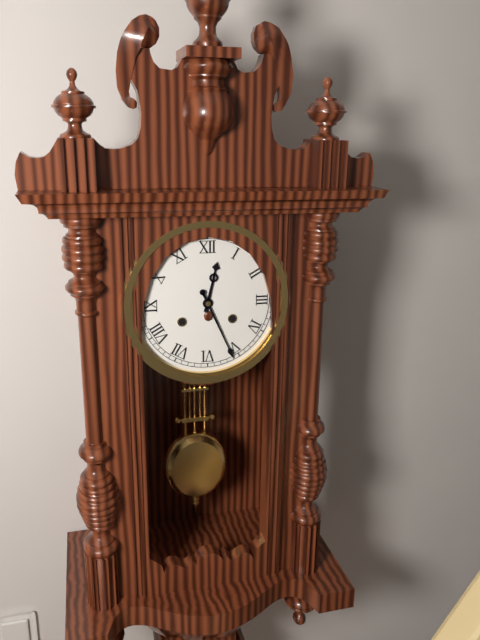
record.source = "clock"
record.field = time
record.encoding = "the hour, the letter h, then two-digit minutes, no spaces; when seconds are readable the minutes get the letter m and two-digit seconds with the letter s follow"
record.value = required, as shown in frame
12h26
